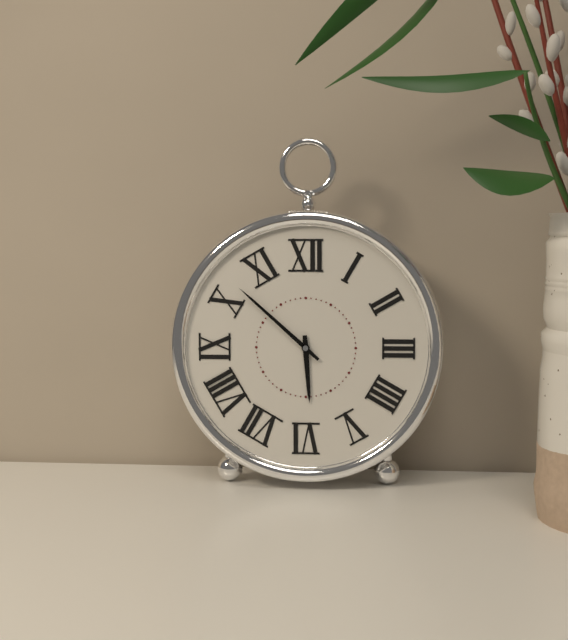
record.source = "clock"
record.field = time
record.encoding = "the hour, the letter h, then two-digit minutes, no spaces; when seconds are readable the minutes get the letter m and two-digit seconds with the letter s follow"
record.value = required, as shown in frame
5h52
